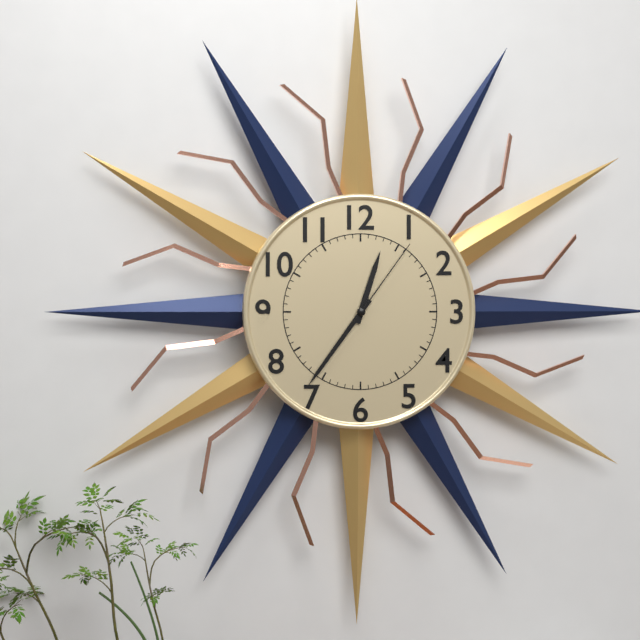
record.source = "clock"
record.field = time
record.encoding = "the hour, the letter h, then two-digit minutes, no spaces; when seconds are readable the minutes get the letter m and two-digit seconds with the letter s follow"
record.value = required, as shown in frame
12h36m06s
